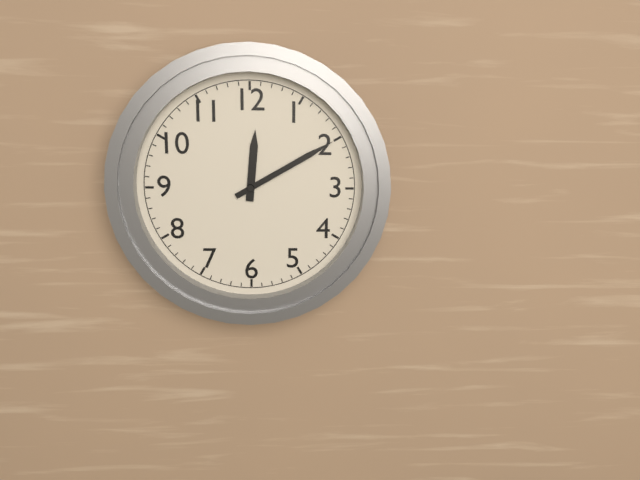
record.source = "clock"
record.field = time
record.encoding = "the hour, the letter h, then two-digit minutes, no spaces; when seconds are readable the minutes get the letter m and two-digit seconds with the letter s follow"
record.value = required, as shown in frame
12h10
